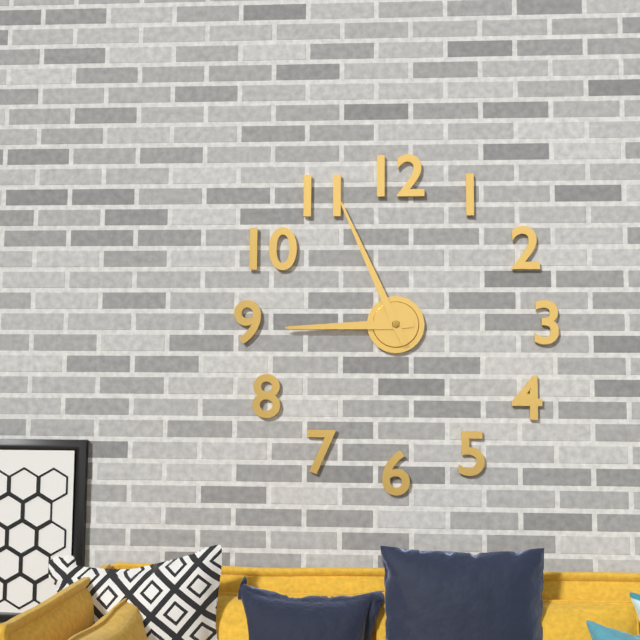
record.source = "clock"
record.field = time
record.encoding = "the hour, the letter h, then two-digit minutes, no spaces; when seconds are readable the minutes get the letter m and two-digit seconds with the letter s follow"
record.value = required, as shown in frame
8h56
